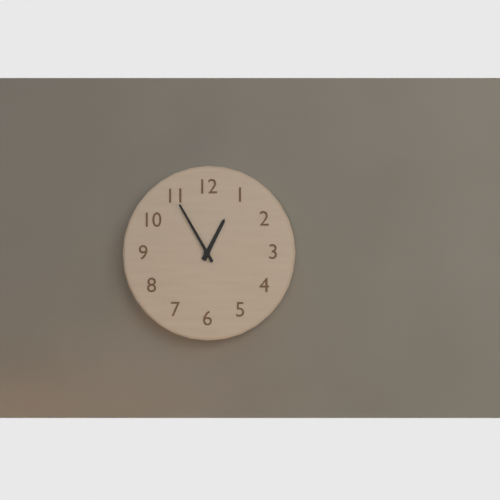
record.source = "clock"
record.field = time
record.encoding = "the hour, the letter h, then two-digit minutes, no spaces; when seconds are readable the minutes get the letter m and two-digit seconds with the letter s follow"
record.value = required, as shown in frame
12h55
